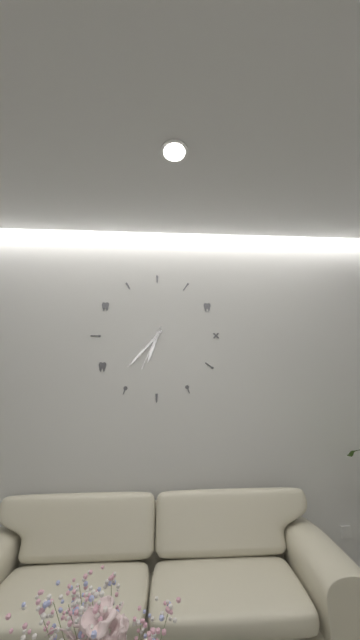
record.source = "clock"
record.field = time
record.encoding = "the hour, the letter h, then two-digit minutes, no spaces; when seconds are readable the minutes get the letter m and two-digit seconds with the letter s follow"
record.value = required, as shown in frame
6h37
